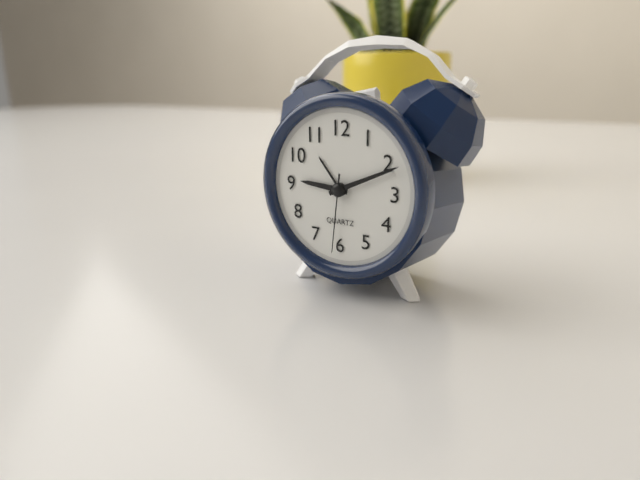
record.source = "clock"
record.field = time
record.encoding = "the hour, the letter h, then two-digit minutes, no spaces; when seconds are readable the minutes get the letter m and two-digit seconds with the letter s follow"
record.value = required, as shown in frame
9h11m31s
